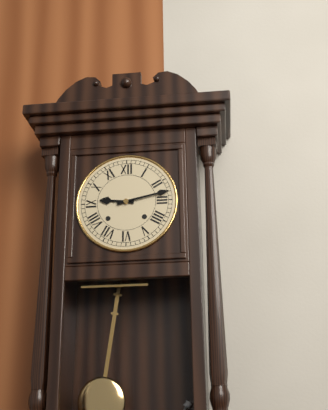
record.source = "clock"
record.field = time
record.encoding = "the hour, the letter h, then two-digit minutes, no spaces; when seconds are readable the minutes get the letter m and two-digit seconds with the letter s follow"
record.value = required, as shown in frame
9h13
